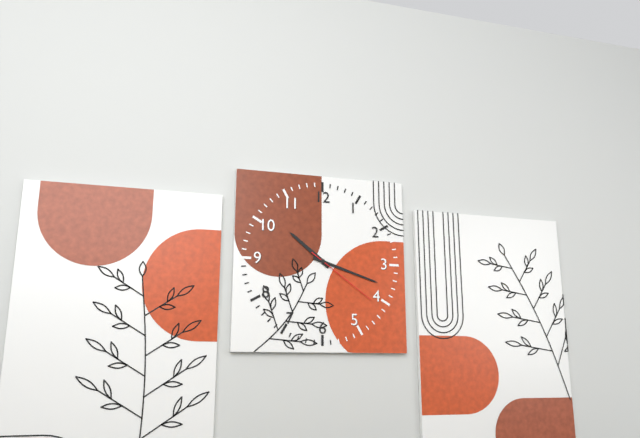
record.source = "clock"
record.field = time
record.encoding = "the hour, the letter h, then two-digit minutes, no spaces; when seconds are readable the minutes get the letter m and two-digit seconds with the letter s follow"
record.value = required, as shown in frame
10h18m21s
